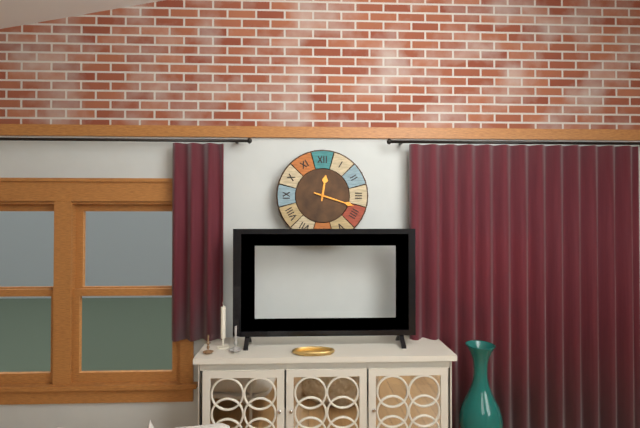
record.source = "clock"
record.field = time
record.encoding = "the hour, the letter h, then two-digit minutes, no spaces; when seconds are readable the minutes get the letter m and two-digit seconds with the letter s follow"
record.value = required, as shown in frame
12h18
